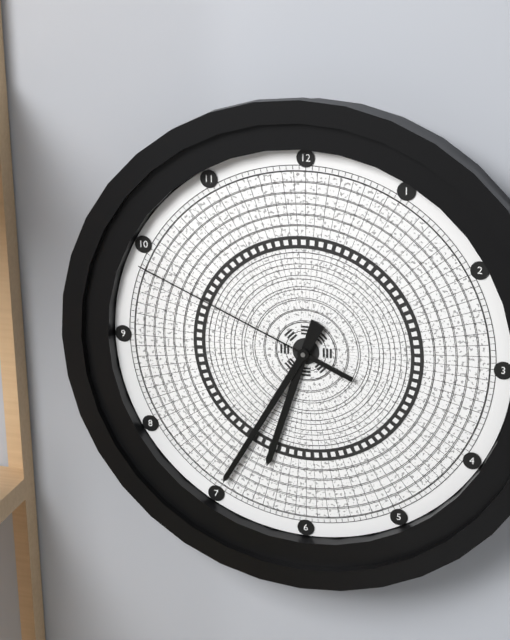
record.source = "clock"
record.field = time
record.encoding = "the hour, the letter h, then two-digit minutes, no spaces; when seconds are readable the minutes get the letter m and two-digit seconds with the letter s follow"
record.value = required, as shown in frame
6h35m49s
